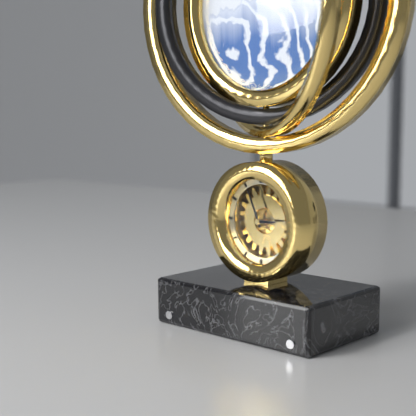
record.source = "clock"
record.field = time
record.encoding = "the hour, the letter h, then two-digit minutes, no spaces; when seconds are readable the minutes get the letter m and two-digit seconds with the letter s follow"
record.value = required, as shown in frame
2h56
